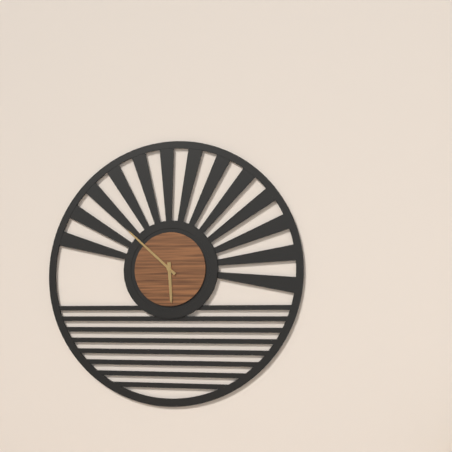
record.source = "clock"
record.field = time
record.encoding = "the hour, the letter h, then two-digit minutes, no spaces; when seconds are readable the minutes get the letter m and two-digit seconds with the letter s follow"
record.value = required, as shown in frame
5h52
